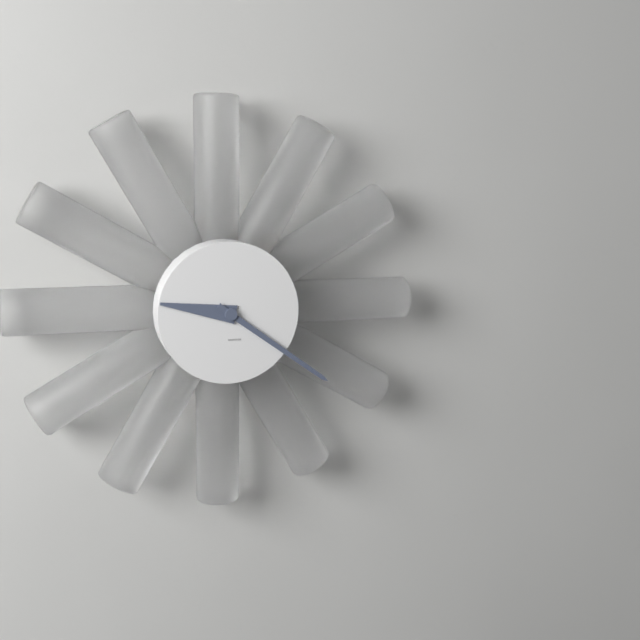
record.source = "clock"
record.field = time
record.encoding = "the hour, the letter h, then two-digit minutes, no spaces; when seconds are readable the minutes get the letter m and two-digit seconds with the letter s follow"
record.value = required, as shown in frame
9h21
